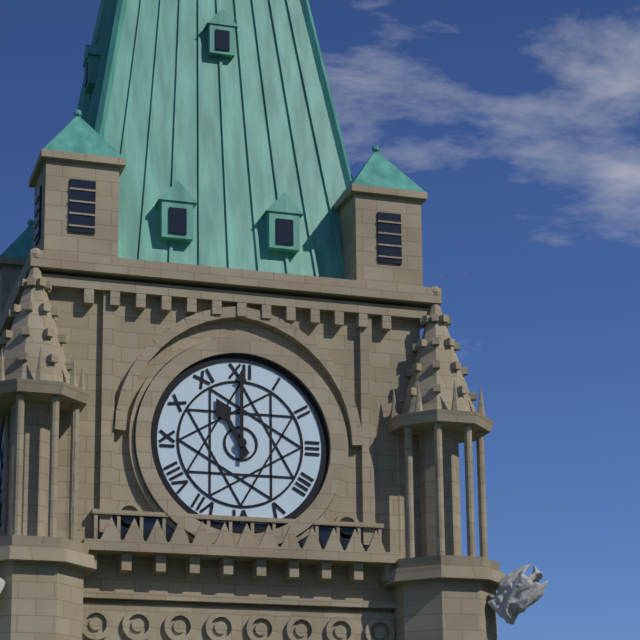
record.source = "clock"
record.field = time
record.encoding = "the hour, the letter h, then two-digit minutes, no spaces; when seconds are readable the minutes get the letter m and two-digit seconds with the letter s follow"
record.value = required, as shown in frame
11h00
